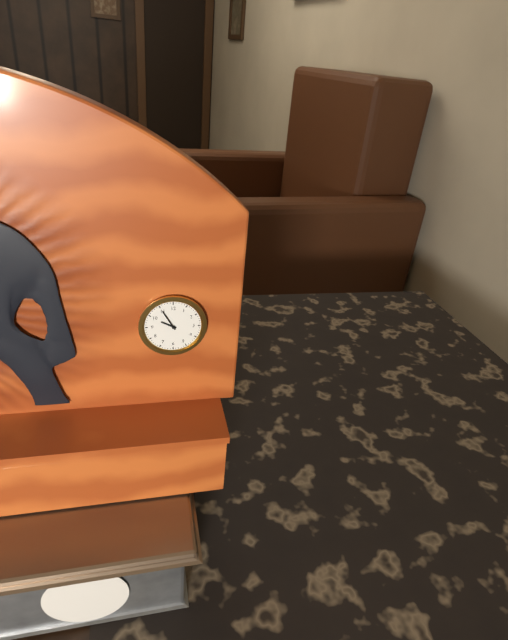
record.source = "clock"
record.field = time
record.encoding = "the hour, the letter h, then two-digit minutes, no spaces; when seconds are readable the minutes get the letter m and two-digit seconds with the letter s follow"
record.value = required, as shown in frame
9h55
